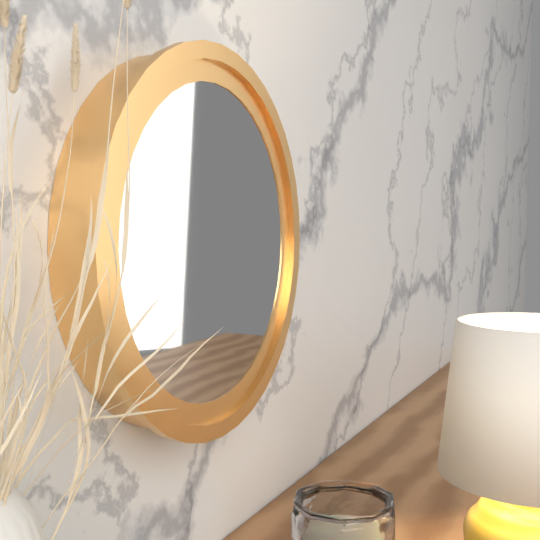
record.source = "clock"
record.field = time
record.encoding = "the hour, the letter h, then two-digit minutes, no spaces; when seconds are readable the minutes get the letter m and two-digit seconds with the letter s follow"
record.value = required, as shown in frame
5h44m18s
